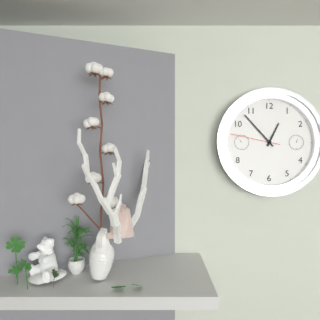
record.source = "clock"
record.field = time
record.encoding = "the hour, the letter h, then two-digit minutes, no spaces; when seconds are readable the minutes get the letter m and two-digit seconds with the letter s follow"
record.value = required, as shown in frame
12h53m47s
